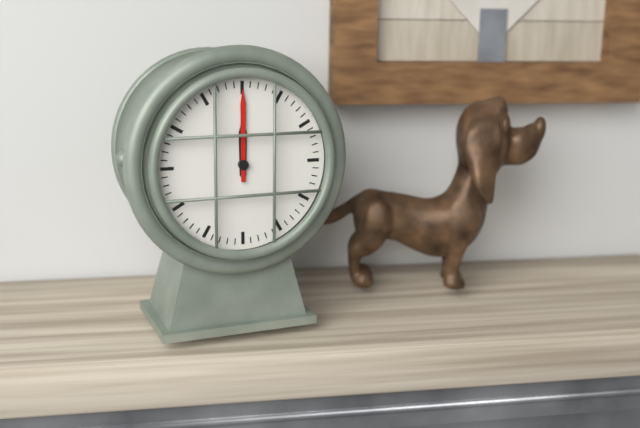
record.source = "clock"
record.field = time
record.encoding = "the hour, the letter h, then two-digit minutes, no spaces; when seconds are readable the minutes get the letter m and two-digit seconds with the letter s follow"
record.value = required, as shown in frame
12h00
